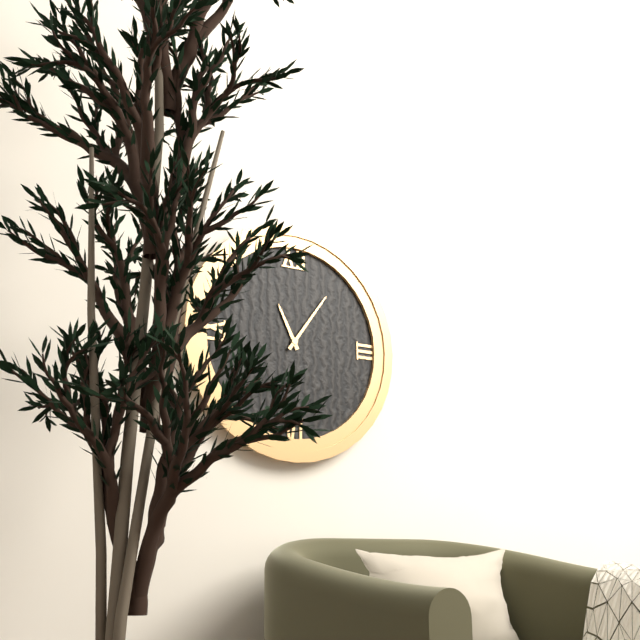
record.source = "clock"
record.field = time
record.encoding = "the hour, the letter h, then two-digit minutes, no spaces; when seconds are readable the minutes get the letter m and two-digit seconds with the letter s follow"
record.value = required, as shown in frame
11h06
